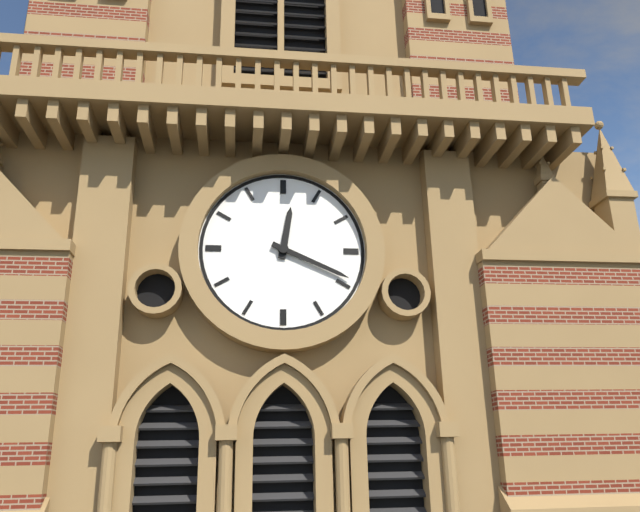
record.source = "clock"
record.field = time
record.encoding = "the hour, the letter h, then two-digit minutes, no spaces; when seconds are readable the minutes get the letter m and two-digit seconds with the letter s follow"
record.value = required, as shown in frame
12h19
